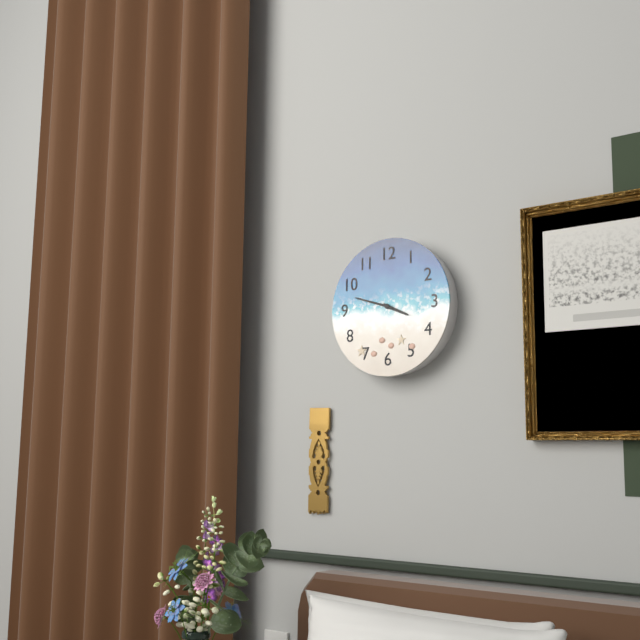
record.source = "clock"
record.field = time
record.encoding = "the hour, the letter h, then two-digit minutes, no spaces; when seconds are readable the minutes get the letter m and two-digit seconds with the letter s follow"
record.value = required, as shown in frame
3h48
